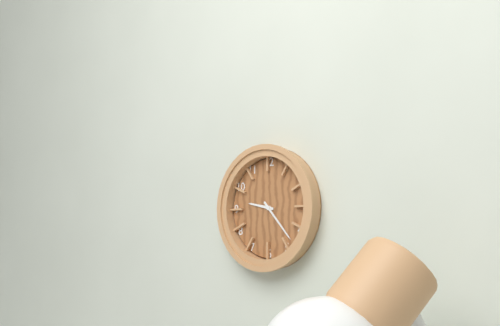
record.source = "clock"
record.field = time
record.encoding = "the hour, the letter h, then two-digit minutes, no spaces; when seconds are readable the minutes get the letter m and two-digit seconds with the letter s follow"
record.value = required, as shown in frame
9h23
